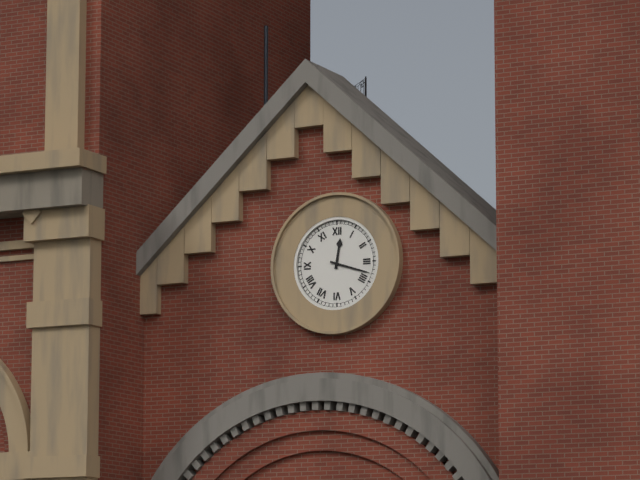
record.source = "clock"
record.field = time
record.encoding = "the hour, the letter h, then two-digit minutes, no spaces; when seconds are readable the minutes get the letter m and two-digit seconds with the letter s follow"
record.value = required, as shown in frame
12h18
